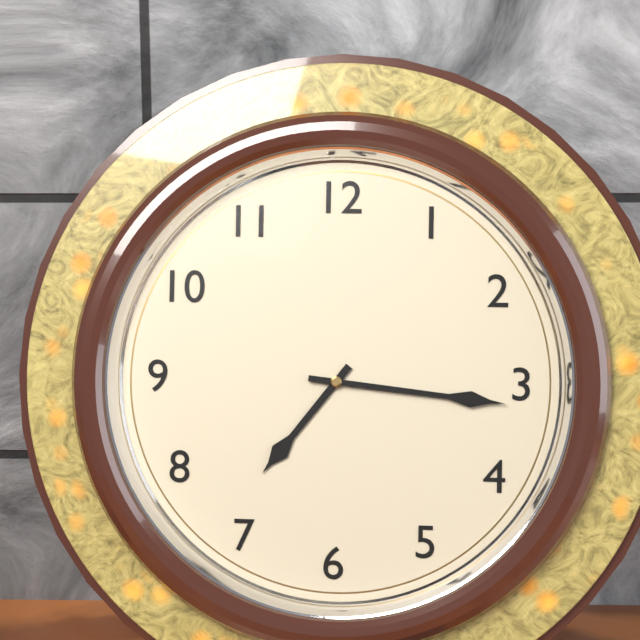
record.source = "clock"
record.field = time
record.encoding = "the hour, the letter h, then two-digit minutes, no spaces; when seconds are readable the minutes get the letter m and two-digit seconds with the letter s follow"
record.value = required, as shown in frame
7h16
